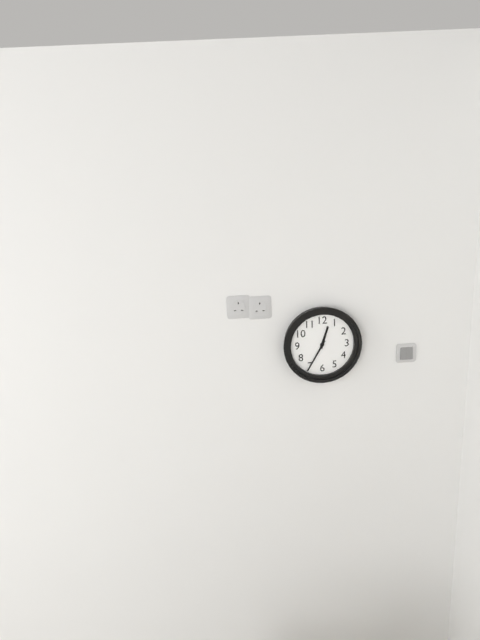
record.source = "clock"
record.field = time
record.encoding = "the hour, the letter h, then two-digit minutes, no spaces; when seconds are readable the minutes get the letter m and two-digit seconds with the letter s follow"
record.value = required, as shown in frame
12h35
